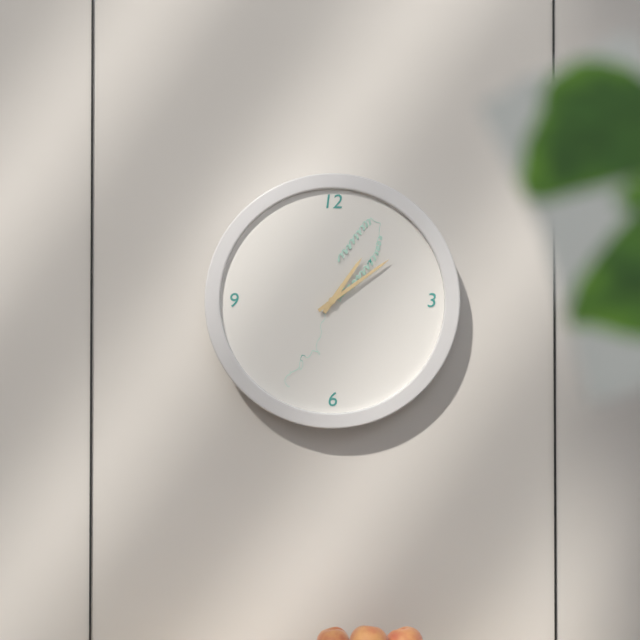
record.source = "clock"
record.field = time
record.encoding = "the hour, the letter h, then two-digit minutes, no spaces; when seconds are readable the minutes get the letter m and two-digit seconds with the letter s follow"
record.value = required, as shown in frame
1h09
